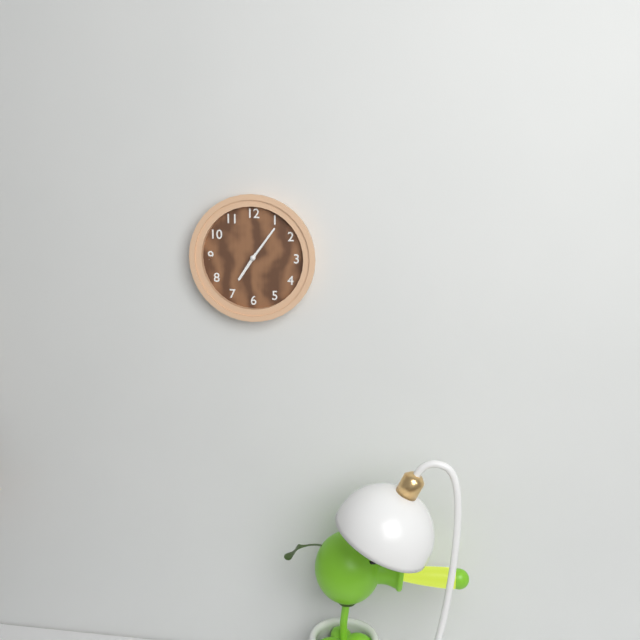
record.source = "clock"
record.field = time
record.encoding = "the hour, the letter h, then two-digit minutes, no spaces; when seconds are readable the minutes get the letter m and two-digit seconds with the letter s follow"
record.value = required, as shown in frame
7h06
